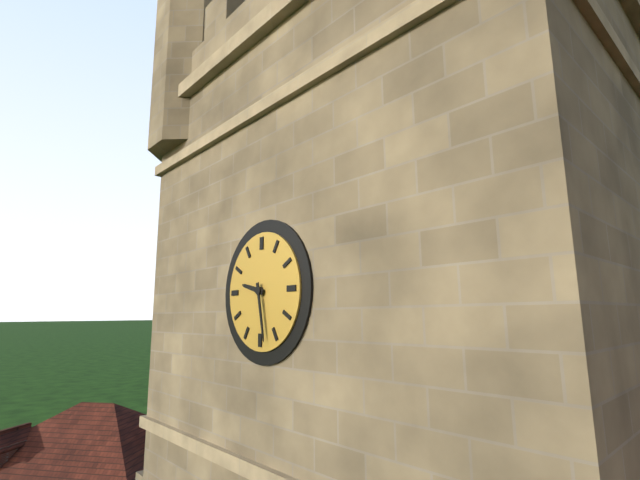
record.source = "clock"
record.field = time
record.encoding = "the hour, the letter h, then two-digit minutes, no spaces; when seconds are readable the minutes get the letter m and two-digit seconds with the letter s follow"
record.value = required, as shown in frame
9h28
